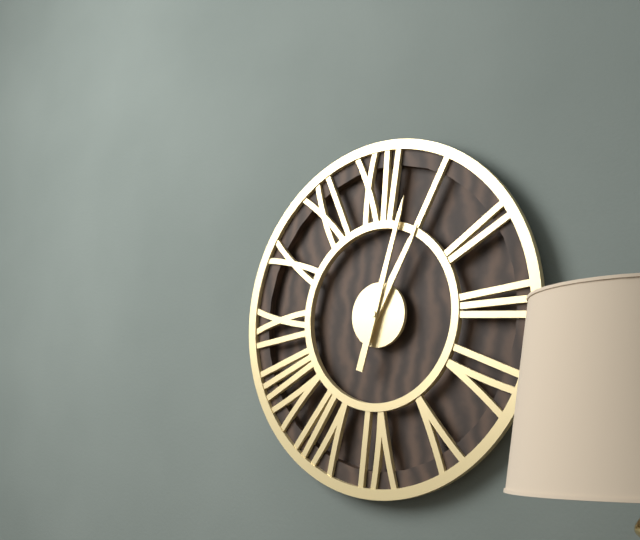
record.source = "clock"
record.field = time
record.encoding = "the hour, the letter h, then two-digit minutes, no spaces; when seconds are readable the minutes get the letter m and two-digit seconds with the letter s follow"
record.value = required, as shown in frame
1h03
